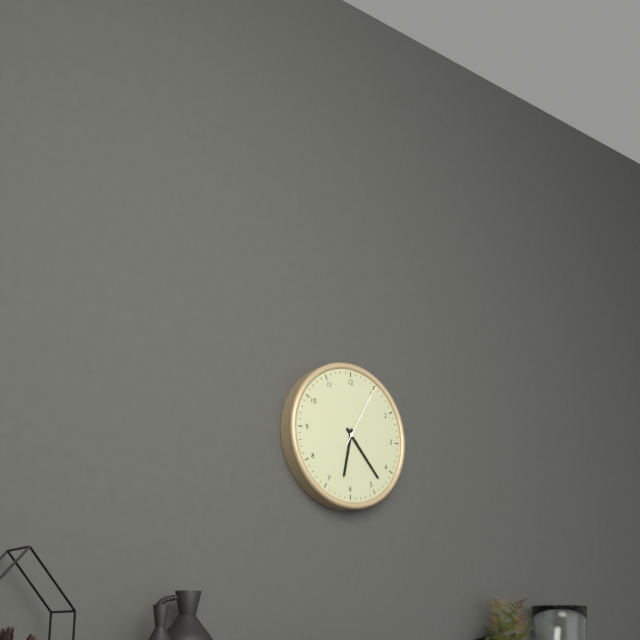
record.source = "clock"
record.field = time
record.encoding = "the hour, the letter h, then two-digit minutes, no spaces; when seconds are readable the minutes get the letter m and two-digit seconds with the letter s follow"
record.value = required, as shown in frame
6h23m05s
